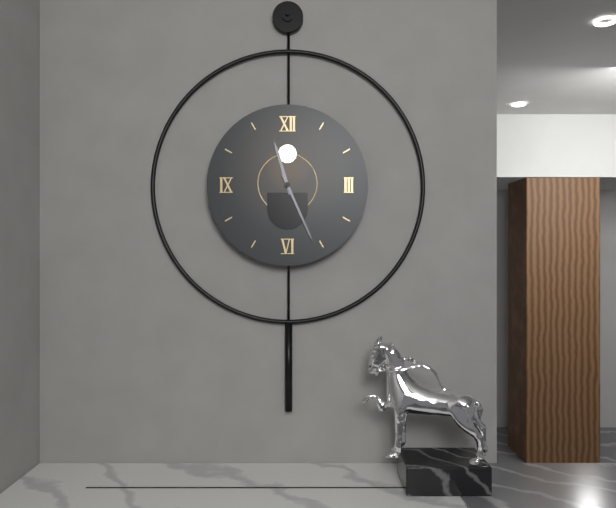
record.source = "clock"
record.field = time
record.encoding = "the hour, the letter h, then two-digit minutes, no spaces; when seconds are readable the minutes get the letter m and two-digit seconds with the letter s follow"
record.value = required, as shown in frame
11h26
